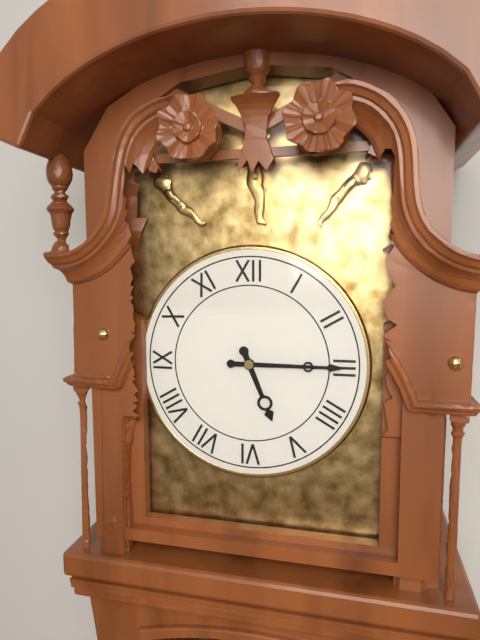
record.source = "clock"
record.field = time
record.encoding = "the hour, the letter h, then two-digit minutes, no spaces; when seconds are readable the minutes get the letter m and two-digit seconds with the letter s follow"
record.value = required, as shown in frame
5h15
